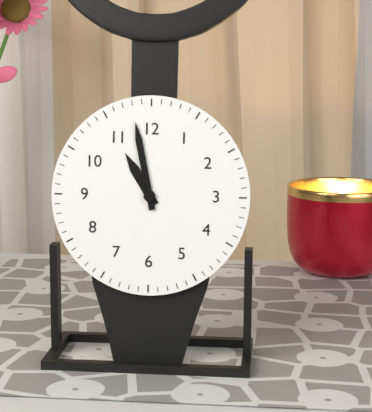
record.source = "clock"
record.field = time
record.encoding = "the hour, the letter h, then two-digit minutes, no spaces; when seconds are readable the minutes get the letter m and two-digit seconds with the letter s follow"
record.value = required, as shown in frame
10h58
